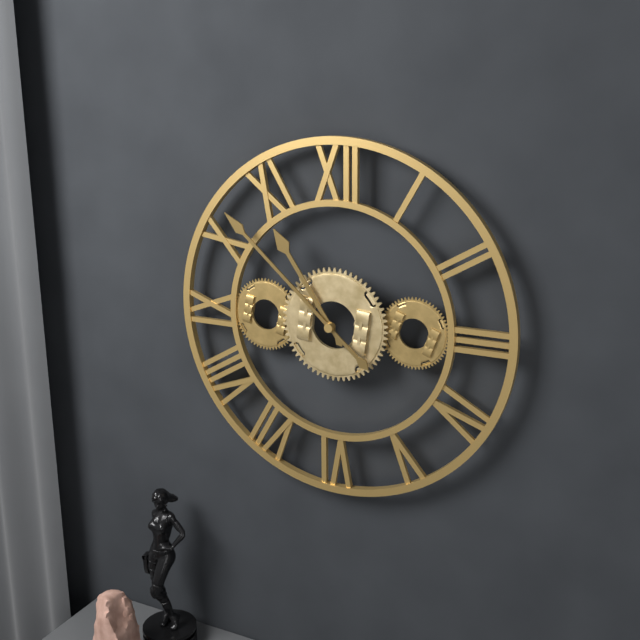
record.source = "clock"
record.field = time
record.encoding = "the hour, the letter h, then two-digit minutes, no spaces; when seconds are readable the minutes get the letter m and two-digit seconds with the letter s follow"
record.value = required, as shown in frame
10h52
